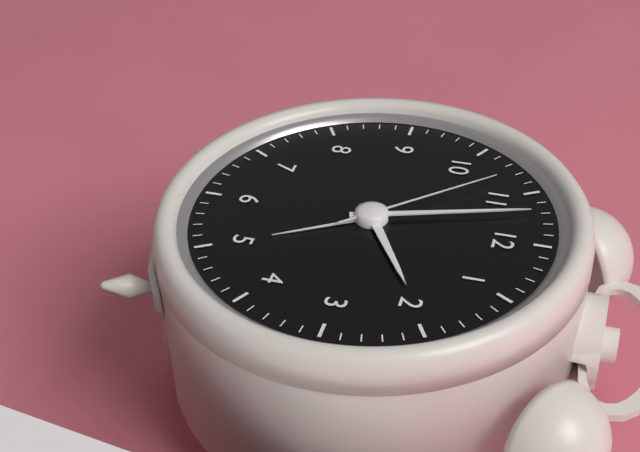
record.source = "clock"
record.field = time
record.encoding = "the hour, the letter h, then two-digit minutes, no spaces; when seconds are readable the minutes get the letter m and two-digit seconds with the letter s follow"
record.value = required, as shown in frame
1h57m53s
